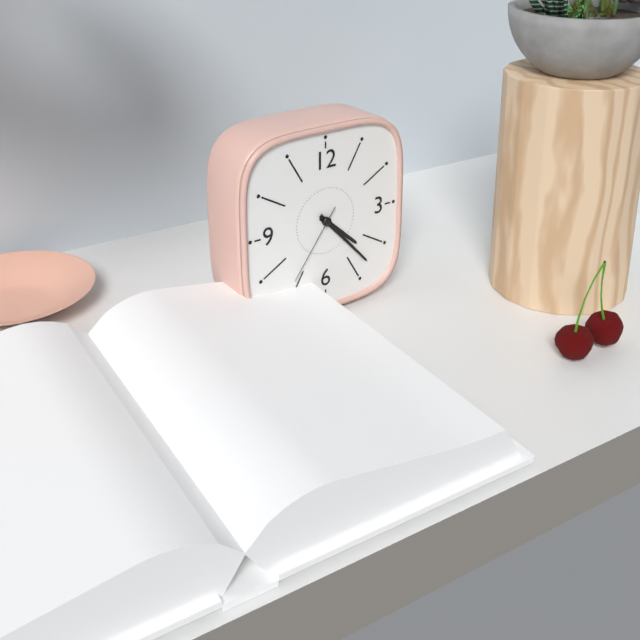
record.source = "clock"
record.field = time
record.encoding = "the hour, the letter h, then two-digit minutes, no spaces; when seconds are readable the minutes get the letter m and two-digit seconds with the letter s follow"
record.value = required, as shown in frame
4h23m36s
